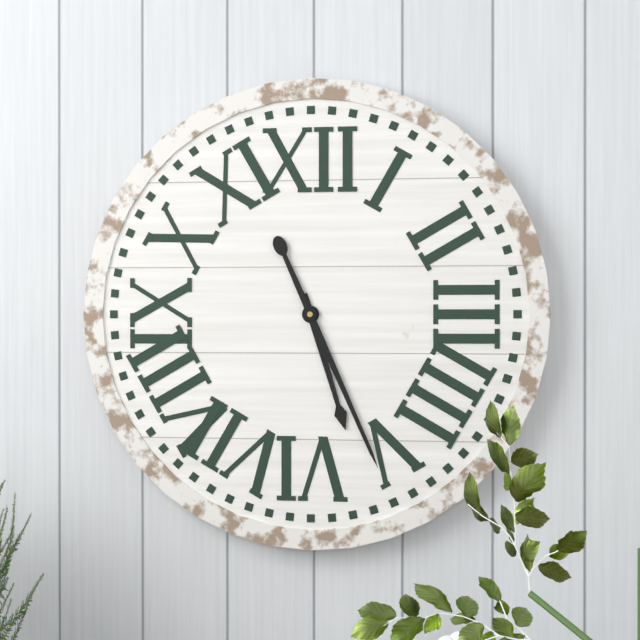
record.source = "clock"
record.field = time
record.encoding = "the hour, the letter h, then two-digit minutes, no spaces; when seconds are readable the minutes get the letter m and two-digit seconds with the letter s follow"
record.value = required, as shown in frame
5h26
